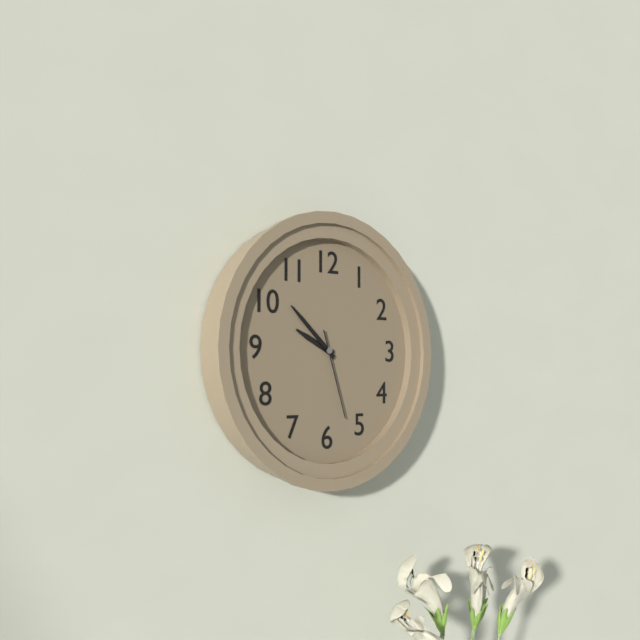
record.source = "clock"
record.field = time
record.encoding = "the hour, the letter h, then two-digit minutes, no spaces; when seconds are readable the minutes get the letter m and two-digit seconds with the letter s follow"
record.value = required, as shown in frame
9h52m27s
